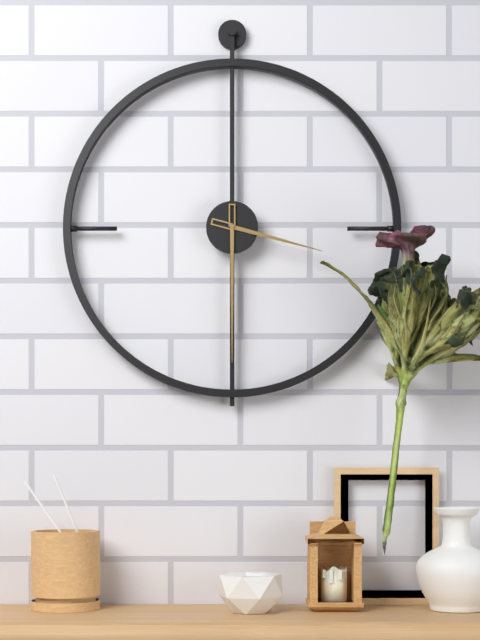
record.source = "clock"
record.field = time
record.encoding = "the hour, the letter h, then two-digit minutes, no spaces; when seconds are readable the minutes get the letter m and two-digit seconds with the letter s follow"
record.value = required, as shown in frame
3h30
